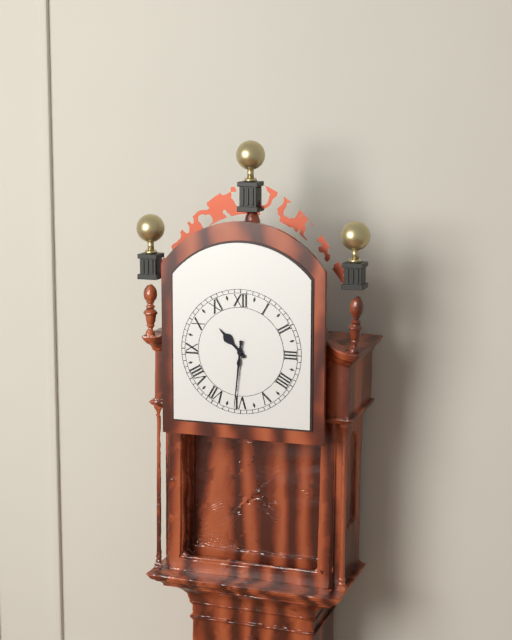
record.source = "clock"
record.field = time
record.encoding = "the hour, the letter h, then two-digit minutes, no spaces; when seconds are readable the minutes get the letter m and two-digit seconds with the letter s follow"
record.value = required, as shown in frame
10h31
